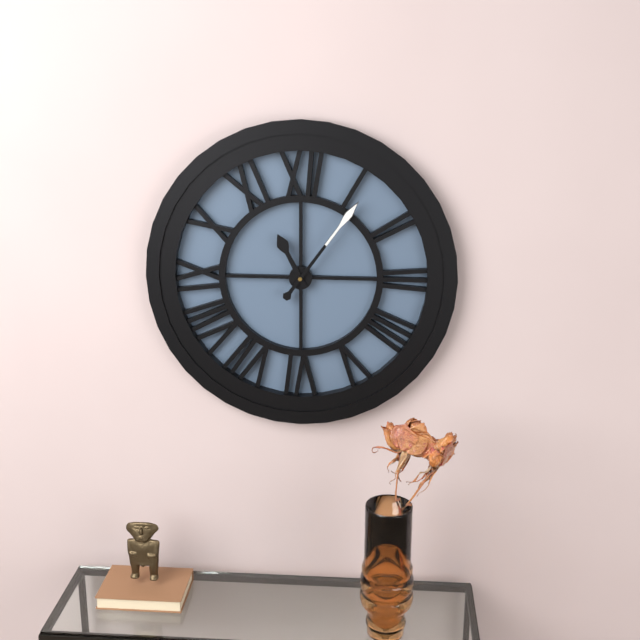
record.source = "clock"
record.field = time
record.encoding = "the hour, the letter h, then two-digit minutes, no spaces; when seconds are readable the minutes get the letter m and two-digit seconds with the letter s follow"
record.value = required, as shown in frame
11h06
